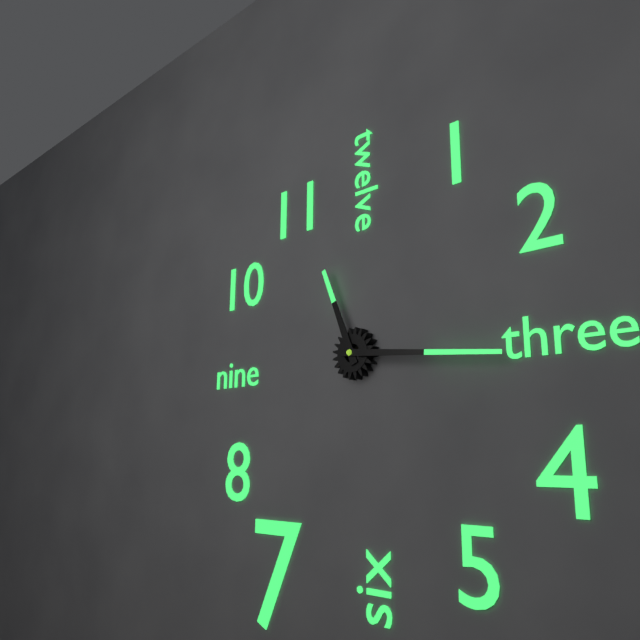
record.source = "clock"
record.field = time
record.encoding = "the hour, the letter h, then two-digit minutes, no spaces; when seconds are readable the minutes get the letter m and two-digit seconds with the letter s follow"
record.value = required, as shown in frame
11h16
